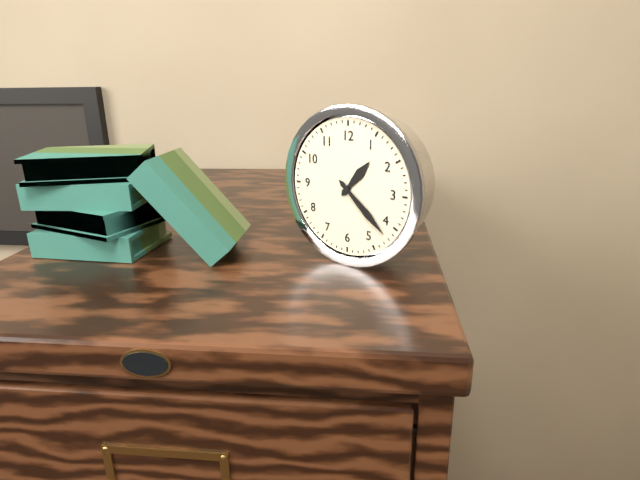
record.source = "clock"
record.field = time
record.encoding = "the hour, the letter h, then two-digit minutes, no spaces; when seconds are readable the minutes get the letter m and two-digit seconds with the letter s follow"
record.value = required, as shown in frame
1h22
